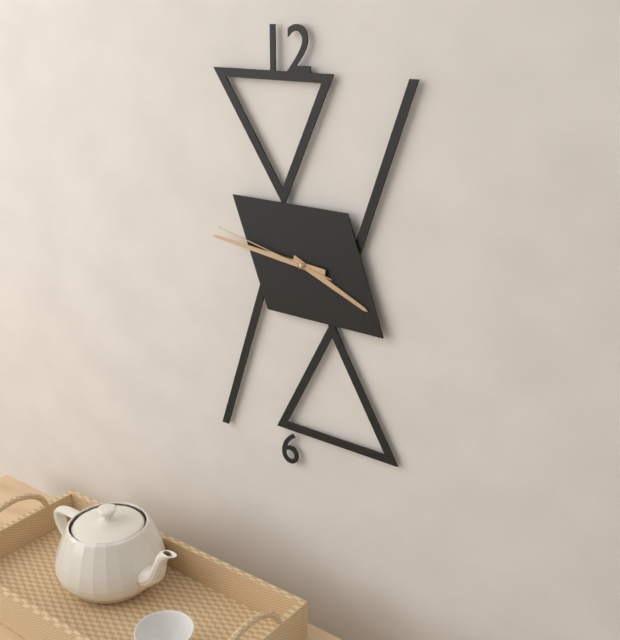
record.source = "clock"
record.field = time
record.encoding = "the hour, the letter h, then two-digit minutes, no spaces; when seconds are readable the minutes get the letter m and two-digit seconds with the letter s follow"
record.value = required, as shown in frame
3h46m47s
